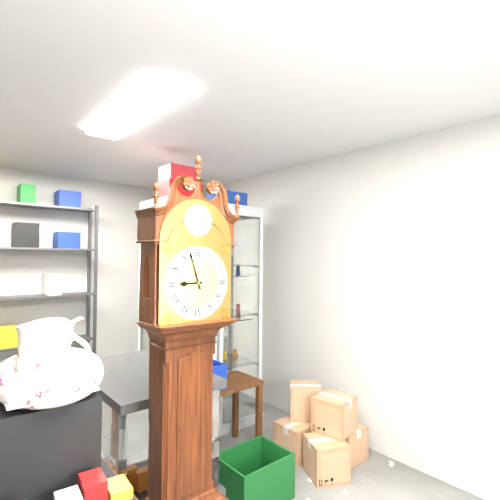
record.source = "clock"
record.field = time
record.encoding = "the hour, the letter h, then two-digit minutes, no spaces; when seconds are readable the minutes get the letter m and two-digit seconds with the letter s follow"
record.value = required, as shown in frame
8h57
